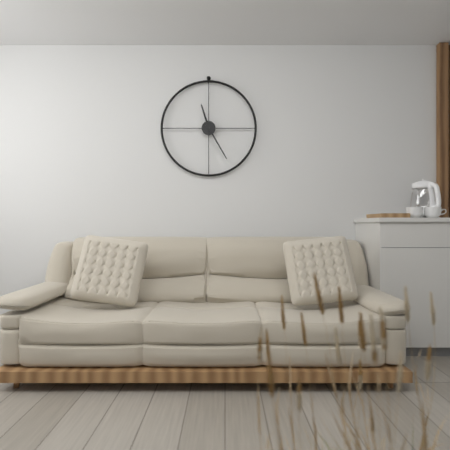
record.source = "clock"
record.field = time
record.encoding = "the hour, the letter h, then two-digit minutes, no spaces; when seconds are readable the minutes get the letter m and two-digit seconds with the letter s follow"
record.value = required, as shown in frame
11h25
